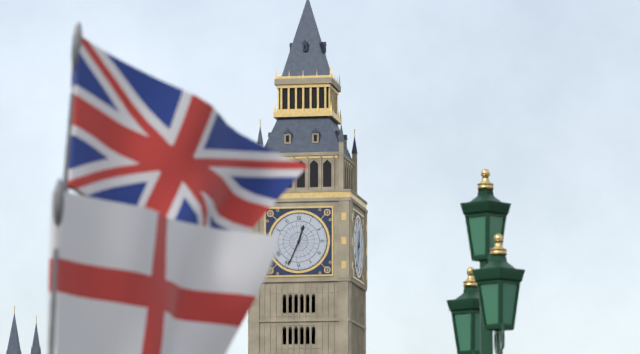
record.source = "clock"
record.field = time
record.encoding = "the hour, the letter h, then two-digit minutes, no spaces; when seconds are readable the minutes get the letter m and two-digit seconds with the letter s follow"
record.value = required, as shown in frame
12h34
